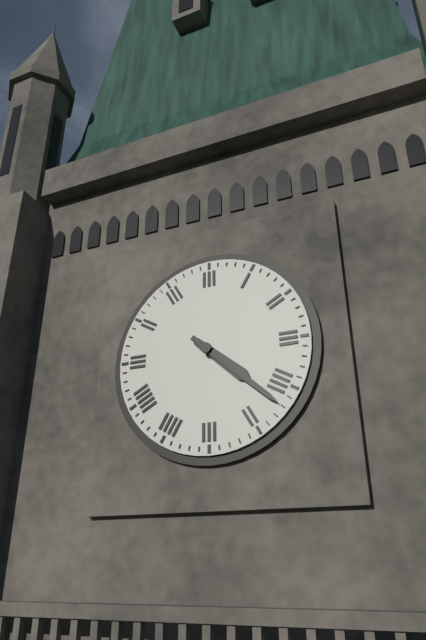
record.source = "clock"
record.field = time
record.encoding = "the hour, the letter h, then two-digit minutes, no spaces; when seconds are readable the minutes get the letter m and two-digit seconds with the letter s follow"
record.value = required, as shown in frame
4h22
